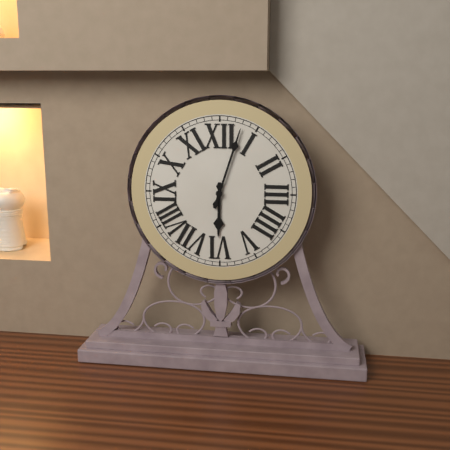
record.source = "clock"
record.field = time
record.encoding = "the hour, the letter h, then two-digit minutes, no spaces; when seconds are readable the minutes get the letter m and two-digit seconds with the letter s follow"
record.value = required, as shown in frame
6h03
